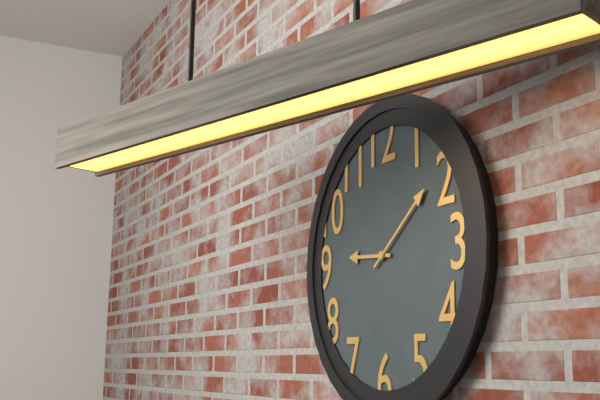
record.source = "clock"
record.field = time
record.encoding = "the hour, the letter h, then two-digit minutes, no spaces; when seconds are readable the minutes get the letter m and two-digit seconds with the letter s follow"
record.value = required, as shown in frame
9h09
